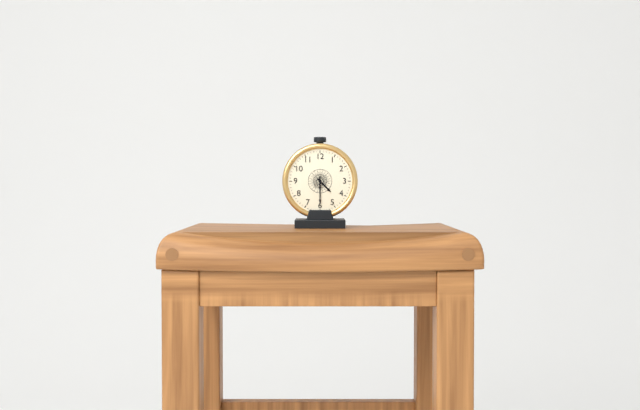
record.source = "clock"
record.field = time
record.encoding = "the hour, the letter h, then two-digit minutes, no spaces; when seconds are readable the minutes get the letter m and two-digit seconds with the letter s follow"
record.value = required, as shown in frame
4h30
